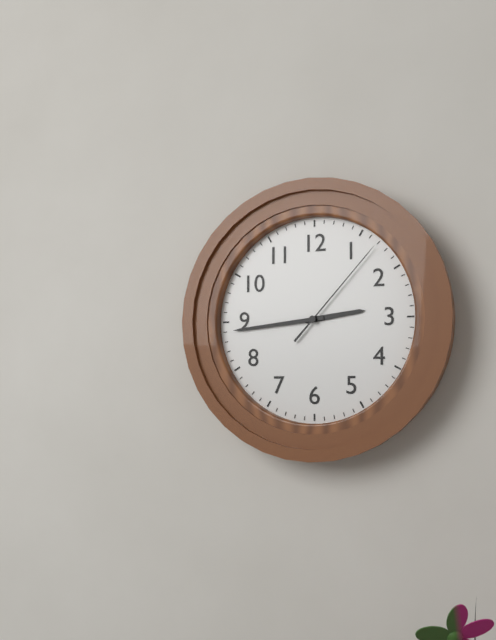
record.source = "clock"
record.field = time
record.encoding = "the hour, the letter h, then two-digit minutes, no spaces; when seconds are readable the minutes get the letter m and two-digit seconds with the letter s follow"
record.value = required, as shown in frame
2h44m07s
